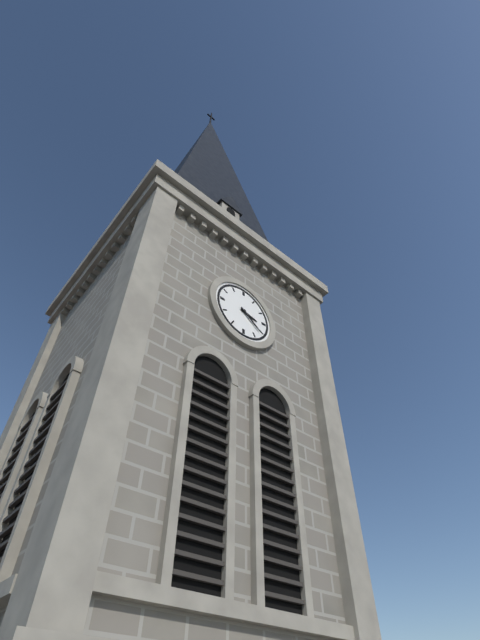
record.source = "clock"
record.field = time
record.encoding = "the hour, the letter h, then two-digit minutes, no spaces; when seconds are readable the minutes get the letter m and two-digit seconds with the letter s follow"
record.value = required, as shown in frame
3h21
